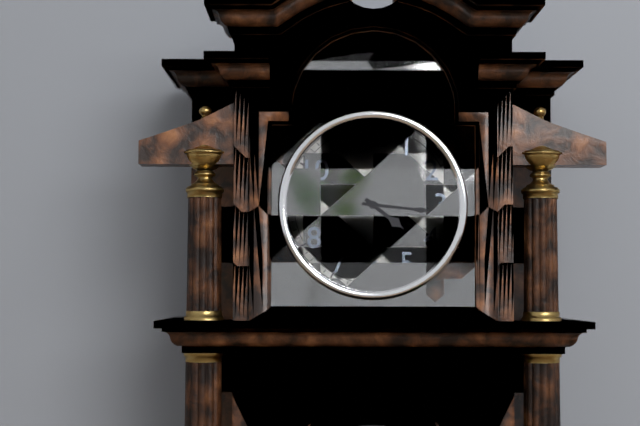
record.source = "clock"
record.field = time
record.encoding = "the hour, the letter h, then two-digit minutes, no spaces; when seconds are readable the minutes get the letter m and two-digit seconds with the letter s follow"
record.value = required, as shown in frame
4h16
